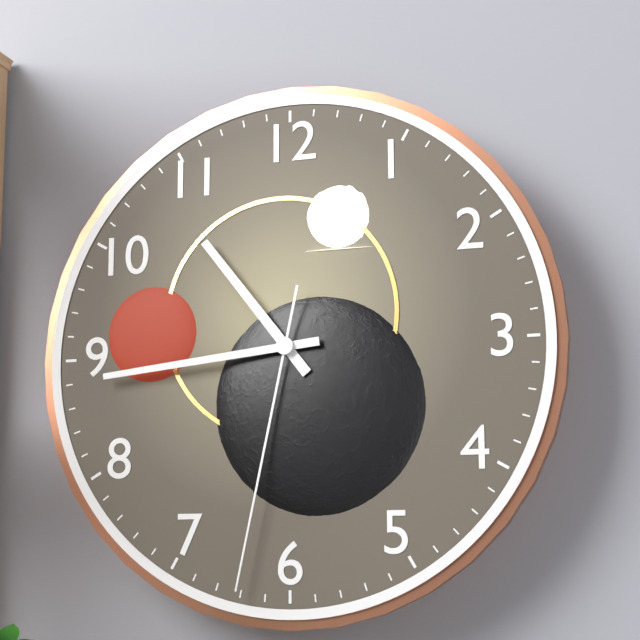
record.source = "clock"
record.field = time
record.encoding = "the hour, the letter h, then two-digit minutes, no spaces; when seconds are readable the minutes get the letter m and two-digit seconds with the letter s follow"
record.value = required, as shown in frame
10h44m32s
